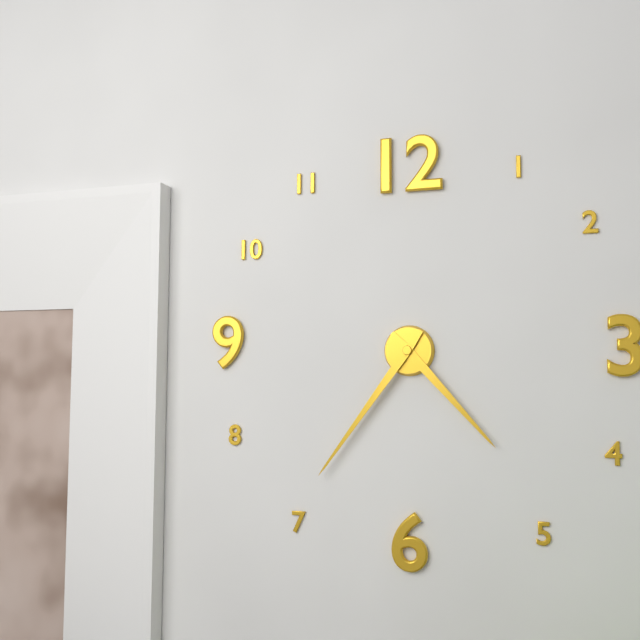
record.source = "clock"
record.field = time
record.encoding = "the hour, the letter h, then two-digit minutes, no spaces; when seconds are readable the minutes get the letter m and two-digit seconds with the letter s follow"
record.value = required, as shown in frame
4h36
